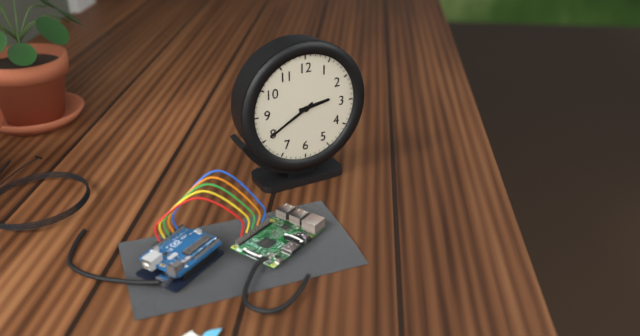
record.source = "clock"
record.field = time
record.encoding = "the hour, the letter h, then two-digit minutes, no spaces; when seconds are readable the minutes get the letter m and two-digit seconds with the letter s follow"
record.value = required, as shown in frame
2h40
